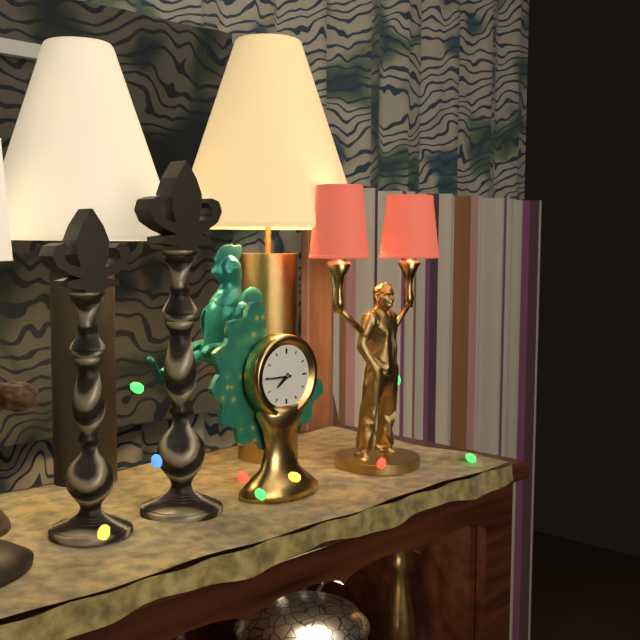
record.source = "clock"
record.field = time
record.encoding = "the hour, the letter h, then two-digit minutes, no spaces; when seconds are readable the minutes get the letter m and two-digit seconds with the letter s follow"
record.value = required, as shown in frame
7h45
